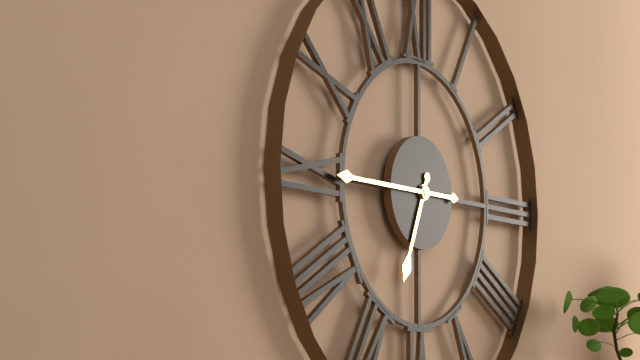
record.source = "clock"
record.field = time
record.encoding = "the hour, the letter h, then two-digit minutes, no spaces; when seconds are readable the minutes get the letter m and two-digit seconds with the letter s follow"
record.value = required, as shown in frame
6h45
